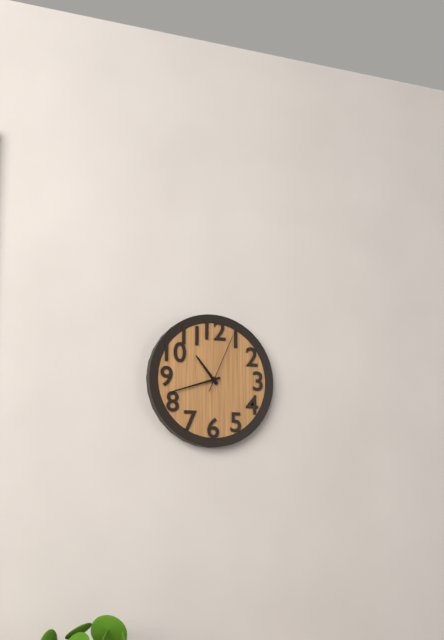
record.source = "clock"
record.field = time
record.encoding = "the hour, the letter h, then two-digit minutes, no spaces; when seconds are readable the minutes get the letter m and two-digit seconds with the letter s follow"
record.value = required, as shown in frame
10h42m04s
